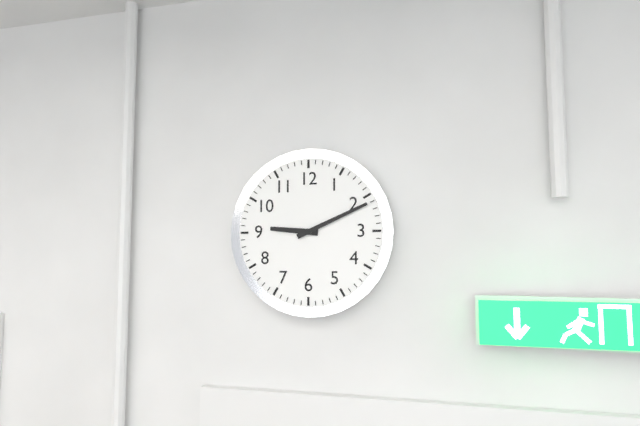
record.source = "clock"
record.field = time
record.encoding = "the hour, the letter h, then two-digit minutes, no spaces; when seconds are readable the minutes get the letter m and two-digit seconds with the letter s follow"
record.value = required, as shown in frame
9h11
